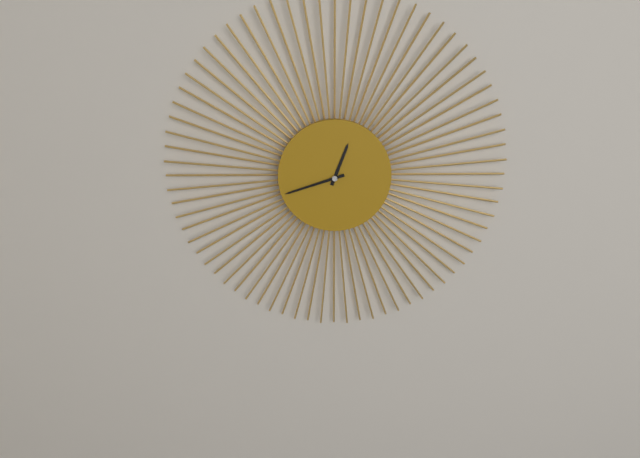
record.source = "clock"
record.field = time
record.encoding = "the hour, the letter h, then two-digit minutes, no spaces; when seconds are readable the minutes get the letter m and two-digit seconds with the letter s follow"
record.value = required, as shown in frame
12h42
